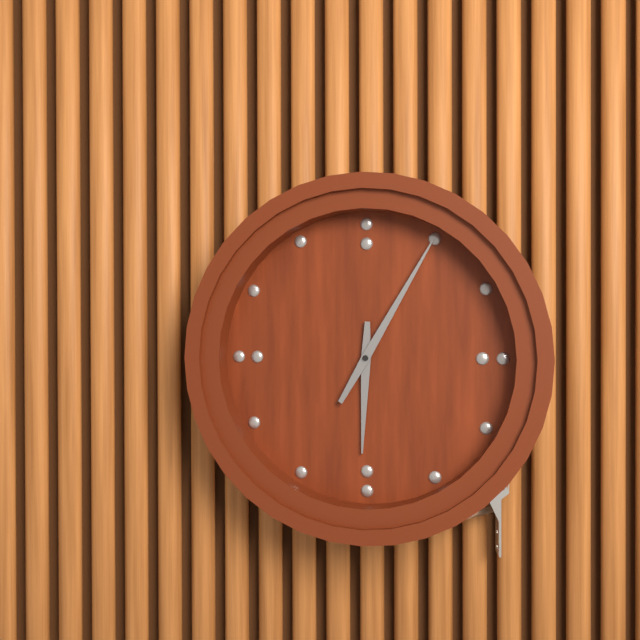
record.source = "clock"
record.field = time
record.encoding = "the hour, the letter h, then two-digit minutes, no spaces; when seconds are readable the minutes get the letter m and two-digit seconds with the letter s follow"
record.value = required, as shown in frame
6h05
